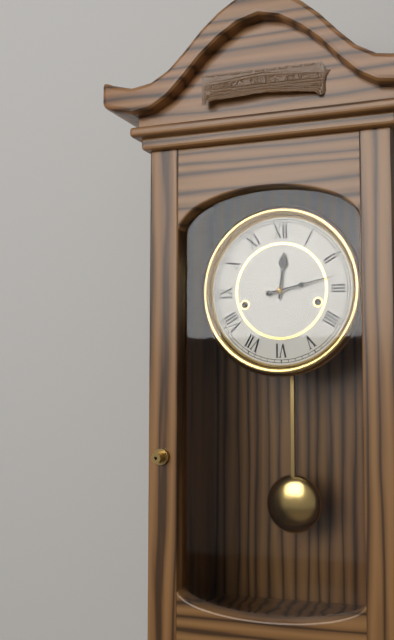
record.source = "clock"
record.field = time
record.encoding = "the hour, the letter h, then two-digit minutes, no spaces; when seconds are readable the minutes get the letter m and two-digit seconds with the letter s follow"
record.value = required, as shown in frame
12h13
